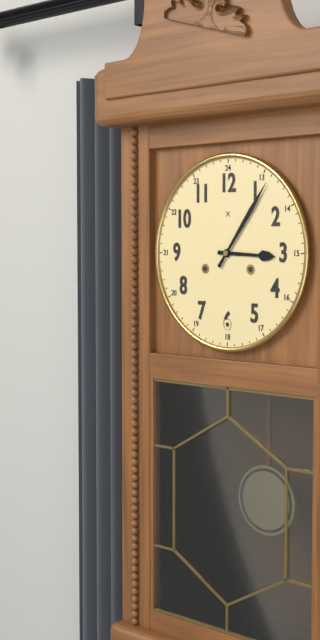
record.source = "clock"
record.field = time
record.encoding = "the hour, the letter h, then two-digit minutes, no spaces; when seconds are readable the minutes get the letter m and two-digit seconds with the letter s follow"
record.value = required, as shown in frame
3h06
